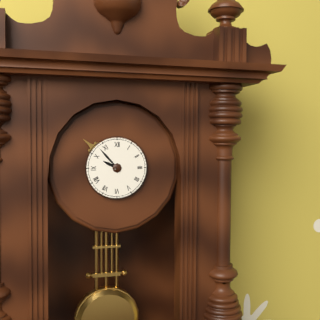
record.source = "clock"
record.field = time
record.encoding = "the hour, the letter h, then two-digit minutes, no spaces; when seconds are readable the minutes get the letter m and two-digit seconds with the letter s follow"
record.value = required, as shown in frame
9h53
